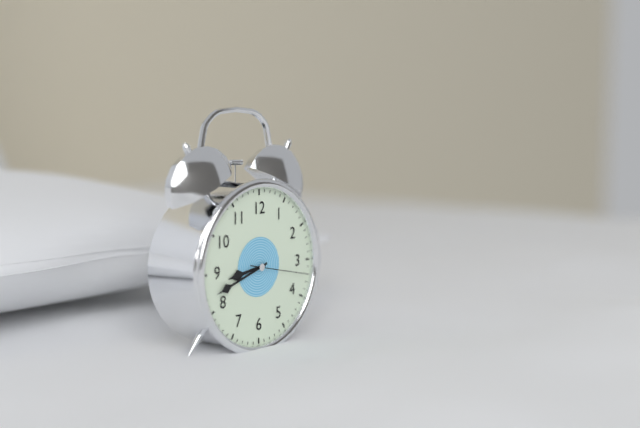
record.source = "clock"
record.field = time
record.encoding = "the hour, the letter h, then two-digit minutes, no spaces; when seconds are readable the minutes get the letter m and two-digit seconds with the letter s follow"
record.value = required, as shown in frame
8h42m17s
